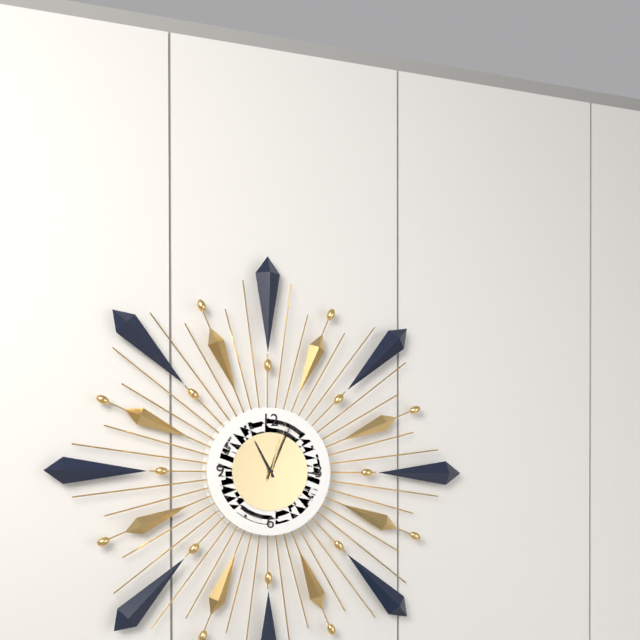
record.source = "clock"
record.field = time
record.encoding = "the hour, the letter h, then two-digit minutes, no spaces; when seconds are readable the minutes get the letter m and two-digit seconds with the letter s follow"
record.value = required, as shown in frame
11h04m03s
